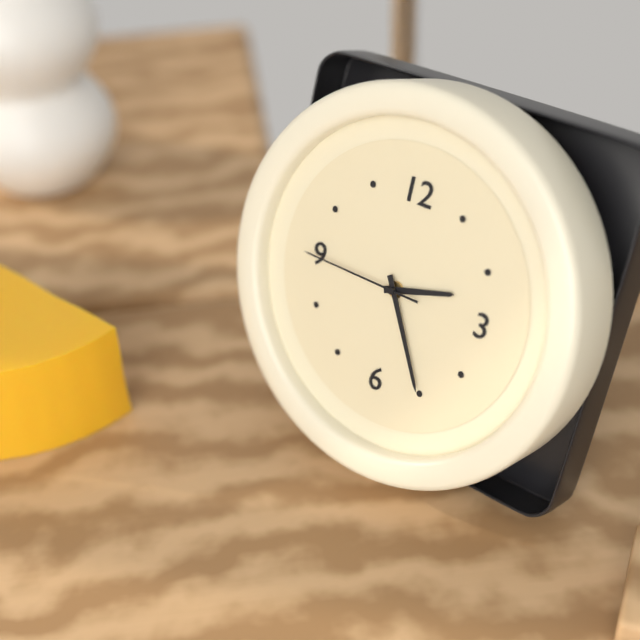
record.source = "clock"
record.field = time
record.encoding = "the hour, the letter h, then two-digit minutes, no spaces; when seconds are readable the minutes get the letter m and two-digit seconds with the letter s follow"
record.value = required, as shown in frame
2h25m45s
